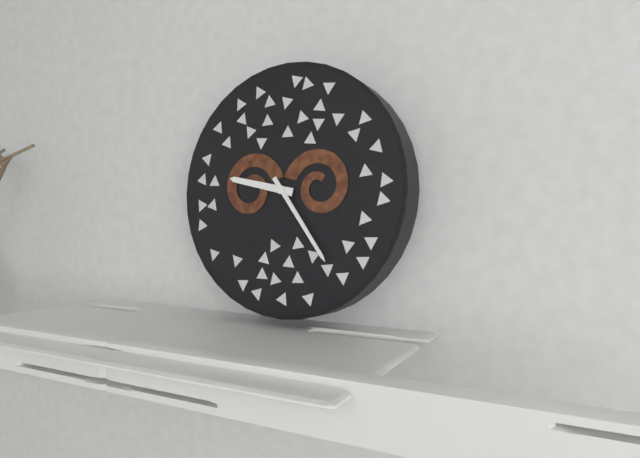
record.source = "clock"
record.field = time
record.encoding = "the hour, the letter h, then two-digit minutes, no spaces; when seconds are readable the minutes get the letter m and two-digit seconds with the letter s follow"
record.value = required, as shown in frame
9h24
